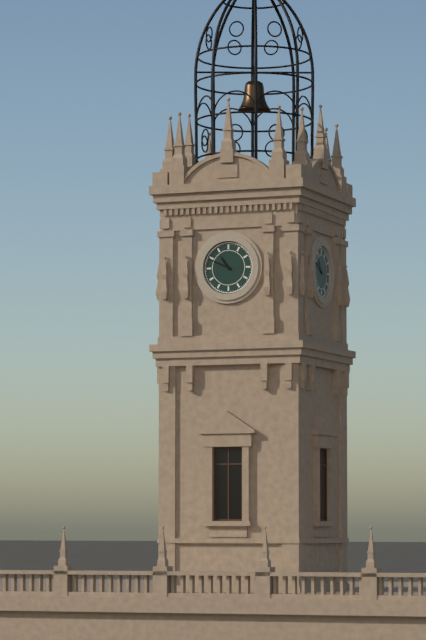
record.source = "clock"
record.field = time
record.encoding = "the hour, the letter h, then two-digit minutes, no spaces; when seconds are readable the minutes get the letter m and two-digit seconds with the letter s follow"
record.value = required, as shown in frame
10h49
